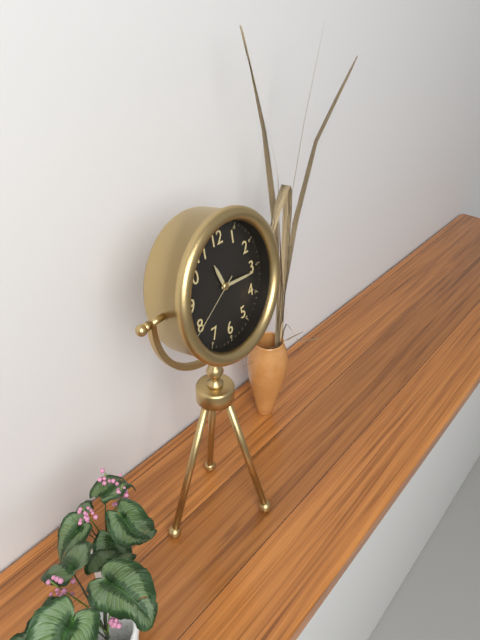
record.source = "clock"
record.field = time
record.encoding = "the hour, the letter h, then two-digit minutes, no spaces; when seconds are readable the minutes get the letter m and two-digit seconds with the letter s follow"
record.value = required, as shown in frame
11h16m40s
